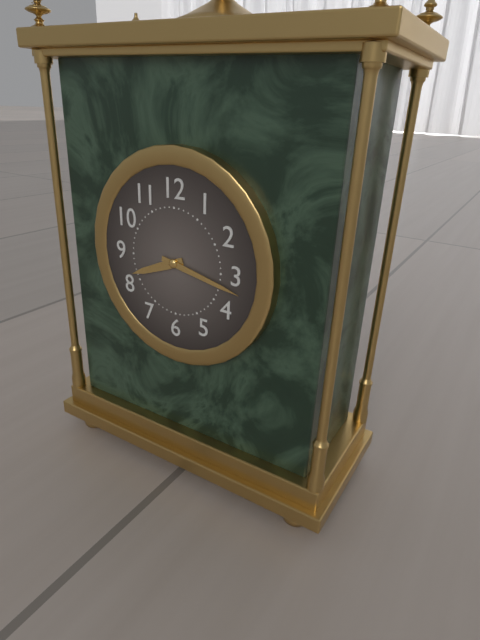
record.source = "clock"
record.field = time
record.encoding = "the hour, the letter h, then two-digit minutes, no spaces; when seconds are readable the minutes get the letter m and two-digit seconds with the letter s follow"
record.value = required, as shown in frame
8h17
